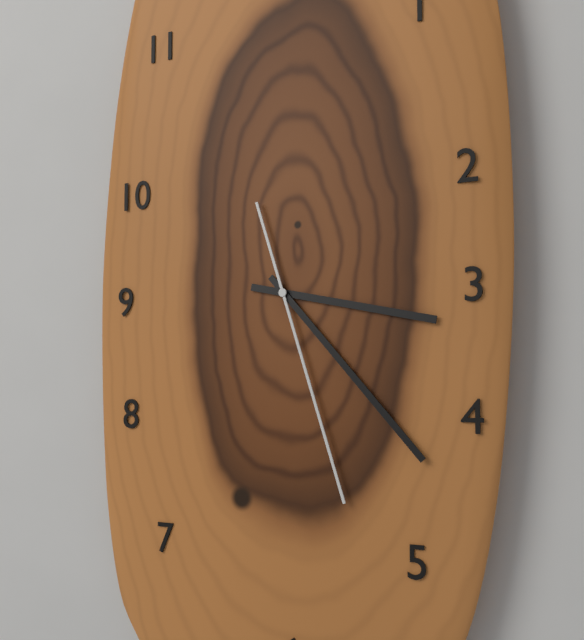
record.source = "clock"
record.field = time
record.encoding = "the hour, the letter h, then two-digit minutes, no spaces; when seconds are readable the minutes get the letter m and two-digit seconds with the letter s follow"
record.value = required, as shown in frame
3h23m27s
